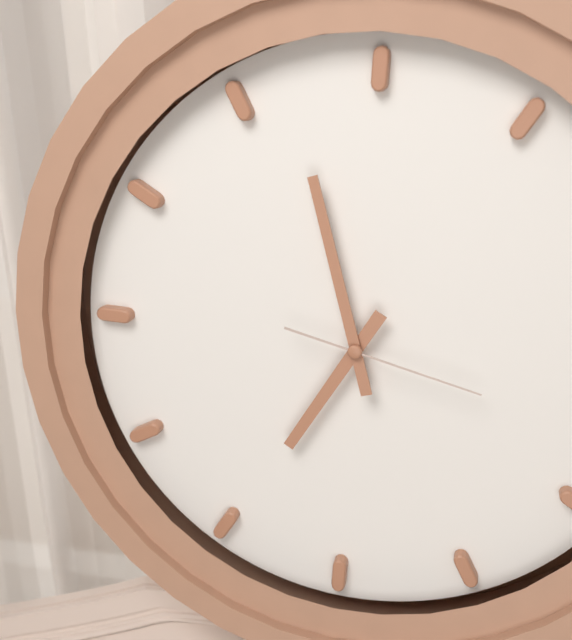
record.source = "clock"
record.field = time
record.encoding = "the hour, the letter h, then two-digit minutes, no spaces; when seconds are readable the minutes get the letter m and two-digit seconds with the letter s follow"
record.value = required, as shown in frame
6h57m17s
